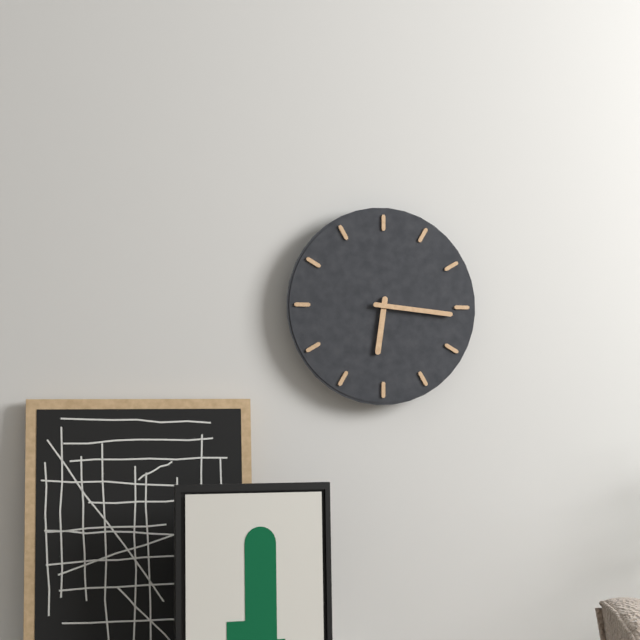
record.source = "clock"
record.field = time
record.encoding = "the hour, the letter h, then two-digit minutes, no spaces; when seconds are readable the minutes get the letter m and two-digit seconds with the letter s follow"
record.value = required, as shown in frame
6h16
